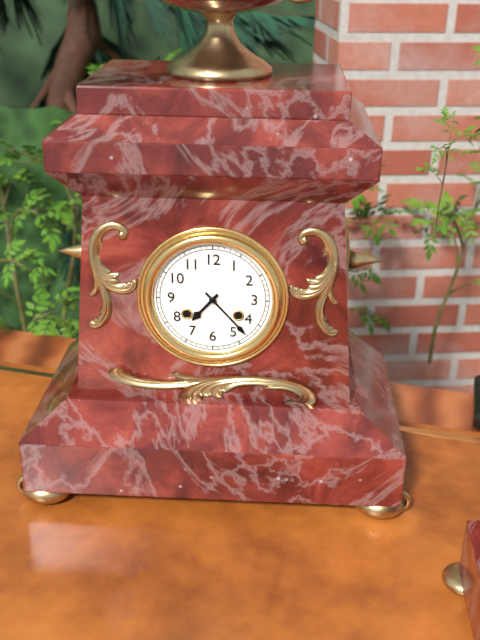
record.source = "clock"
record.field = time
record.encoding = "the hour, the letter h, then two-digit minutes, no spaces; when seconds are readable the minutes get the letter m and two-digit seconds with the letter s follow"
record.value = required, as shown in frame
7h23
